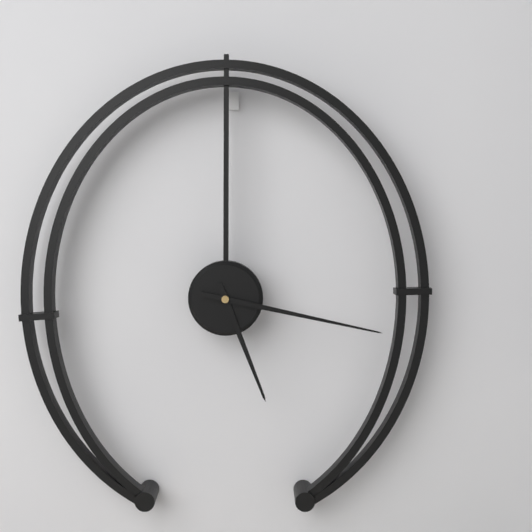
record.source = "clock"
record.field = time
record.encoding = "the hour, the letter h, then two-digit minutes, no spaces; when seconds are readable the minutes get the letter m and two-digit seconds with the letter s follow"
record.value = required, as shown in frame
5h17
